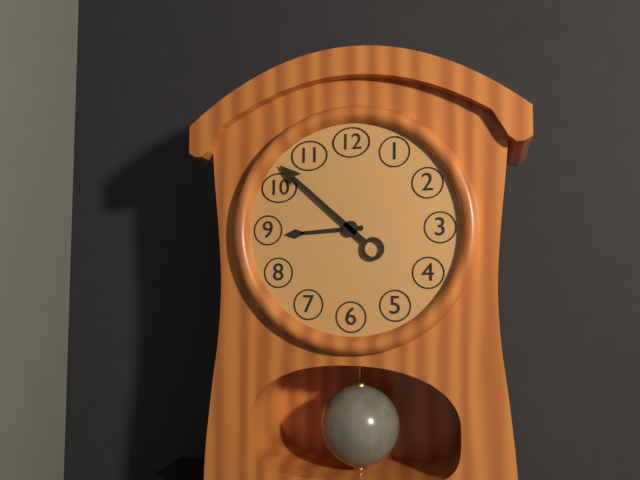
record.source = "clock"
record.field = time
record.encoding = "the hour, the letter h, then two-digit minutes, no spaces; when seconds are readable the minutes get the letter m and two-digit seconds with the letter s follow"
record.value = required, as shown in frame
8h52
